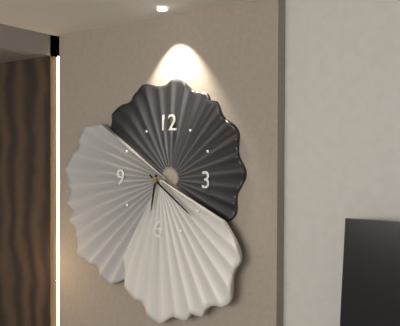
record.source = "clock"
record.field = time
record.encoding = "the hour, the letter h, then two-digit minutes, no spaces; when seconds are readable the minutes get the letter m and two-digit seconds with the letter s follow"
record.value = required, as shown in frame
6h21
